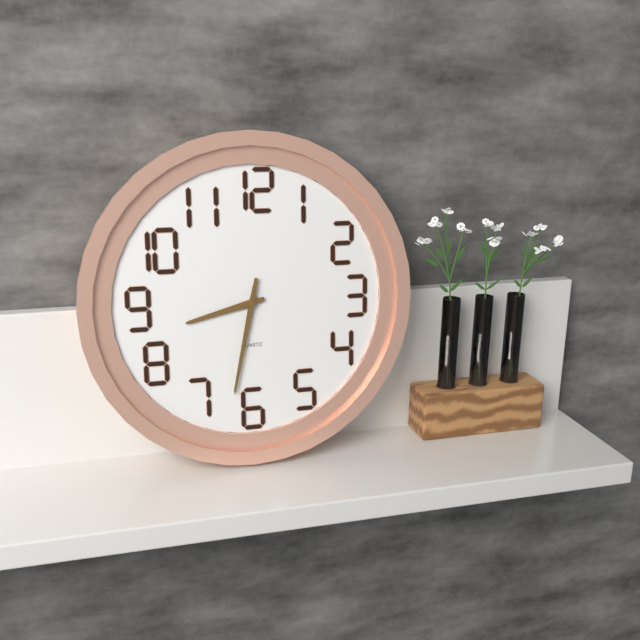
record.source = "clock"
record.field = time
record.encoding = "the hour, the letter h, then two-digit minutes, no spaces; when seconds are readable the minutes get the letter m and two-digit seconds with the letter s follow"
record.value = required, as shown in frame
8h32
